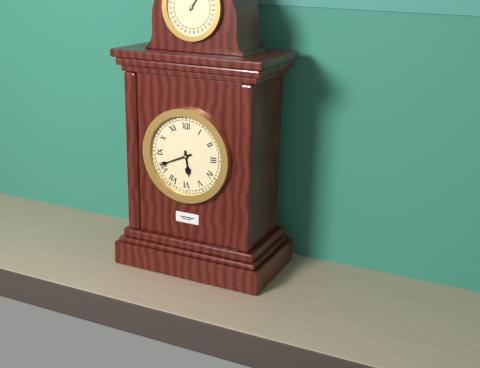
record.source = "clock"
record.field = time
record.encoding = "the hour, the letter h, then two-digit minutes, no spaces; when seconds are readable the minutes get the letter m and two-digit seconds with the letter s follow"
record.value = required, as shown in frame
5h41
